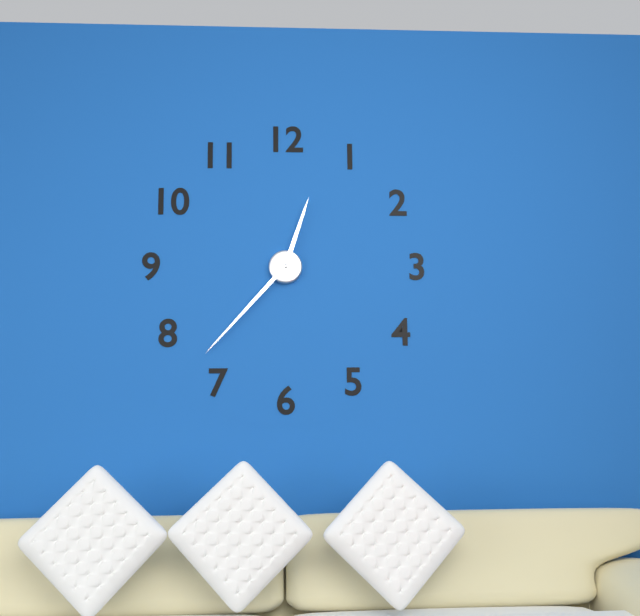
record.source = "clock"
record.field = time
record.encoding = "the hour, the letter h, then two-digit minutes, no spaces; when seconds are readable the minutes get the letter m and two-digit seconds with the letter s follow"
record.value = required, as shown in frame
12h37
